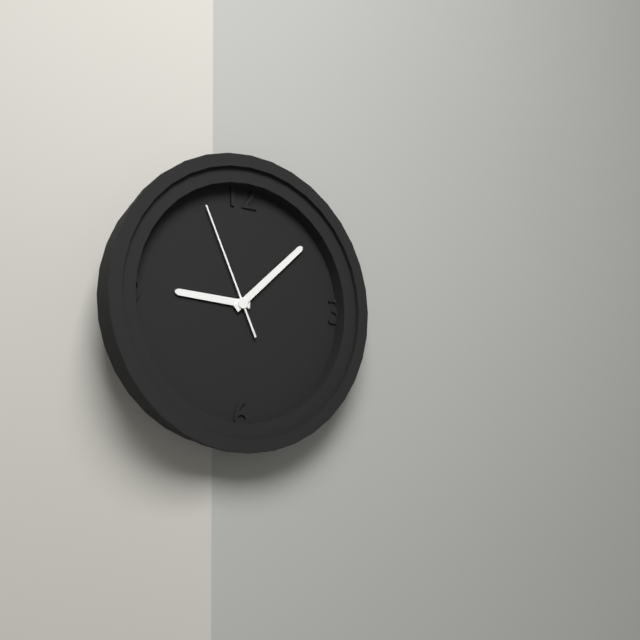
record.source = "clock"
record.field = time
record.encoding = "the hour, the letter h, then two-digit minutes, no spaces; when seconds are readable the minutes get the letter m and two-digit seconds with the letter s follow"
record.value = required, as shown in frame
9h08m56s
